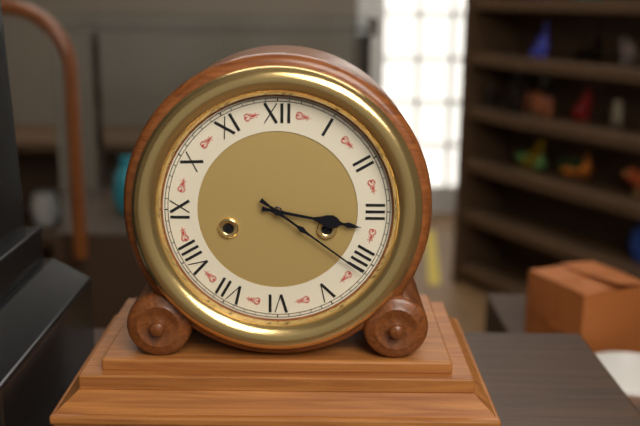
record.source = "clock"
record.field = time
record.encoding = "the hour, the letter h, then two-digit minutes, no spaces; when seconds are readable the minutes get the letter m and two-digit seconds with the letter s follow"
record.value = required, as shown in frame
3h21
